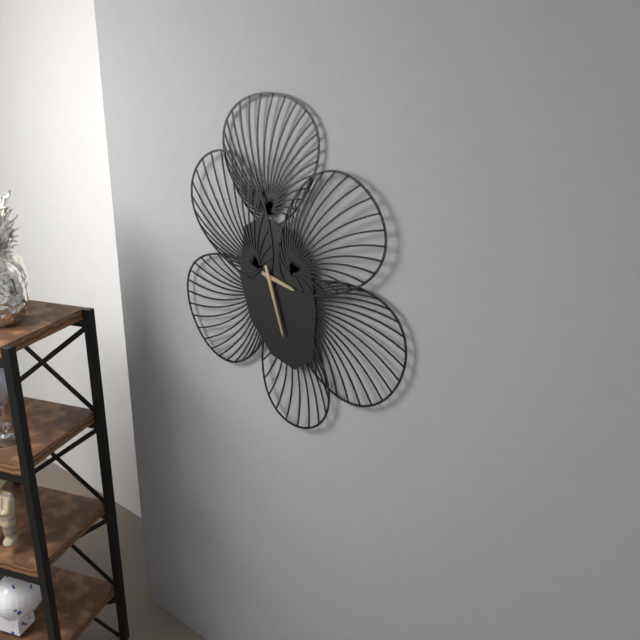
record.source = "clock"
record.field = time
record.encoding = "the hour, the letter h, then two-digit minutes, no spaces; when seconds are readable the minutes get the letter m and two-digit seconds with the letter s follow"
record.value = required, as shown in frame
3h27
